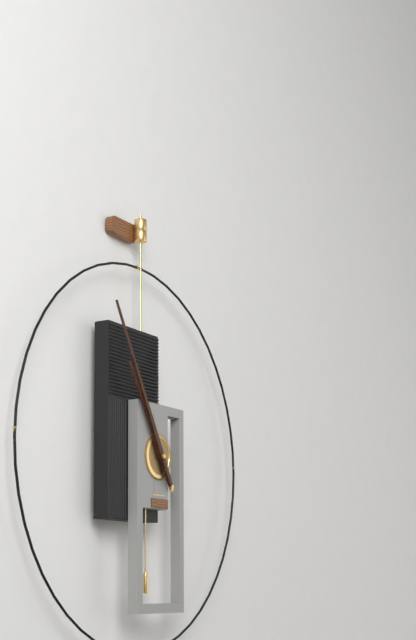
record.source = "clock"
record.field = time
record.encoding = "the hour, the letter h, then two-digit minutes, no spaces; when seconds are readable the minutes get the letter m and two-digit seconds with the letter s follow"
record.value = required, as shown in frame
10h55
